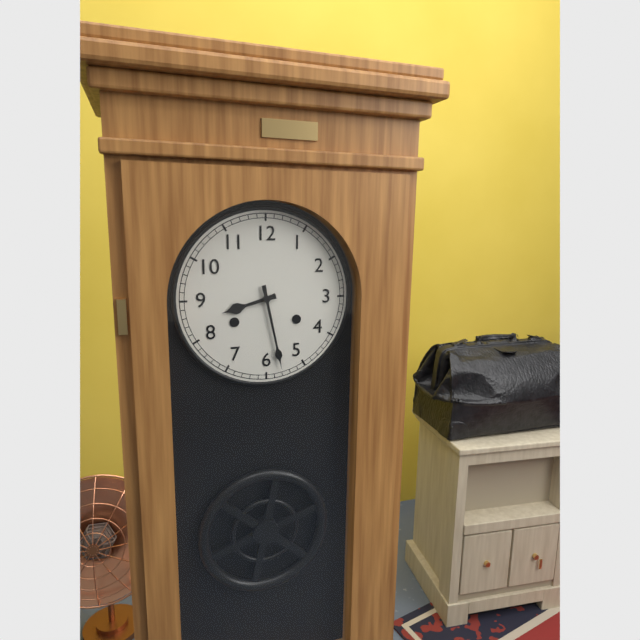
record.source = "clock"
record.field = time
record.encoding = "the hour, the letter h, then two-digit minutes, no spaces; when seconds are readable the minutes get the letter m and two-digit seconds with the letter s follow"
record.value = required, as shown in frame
8h28
